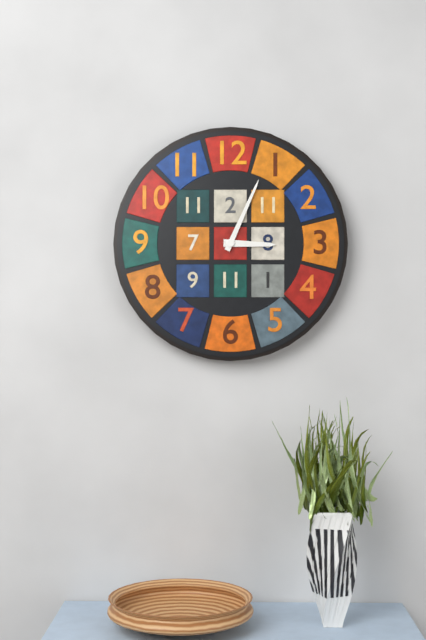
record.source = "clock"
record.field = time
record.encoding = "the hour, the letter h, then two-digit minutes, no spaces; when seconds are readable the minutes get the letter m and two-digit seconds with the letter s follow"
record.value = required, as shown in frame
3h04
